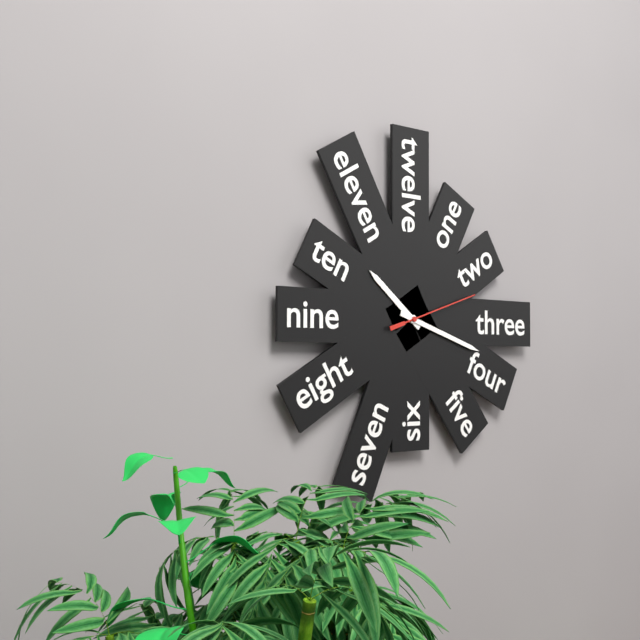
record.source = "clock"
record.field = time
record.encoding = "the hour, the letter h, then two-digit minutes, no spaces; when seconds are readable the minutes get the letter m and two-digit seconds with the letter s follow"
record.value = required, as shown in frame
10h18m12s
